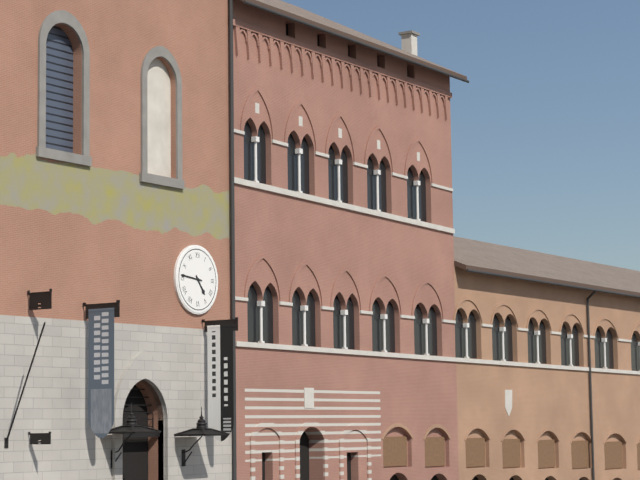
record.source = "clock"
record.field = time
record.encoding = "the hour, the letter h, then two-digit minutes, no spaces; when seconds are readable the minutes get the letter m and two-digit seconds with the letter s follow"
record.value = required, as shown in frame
4h46
